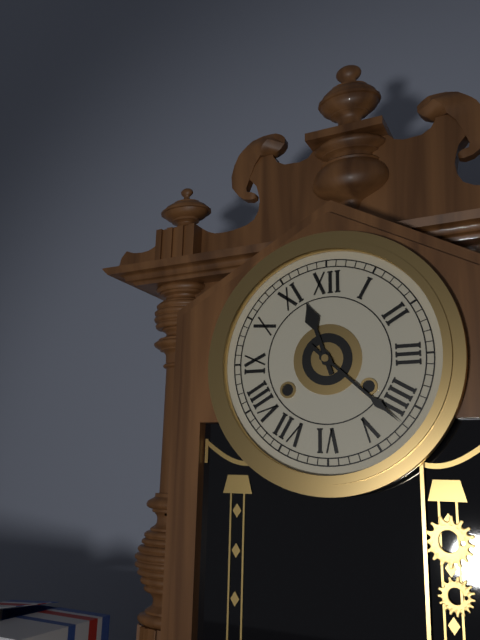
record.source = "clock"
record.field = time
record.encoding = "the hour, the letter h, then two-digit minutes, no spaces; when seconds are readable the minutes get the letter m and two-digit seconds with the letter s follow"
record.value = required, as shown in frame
11h22
